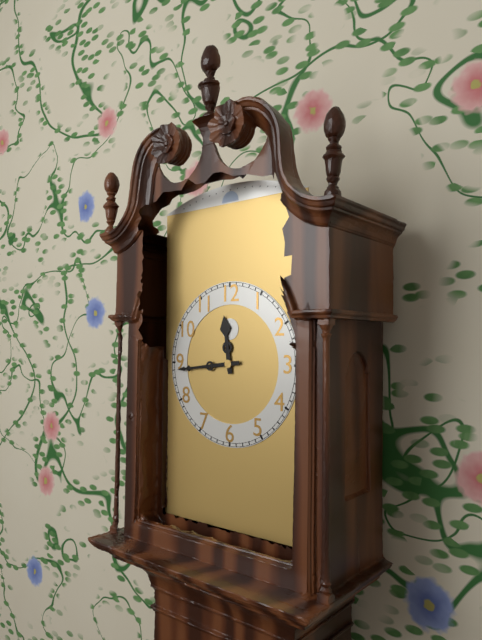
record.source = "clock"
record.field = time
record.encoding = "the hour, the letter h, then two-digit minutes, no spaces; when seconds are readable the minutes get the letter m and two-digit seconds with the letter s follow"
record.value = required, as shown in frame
11h44
